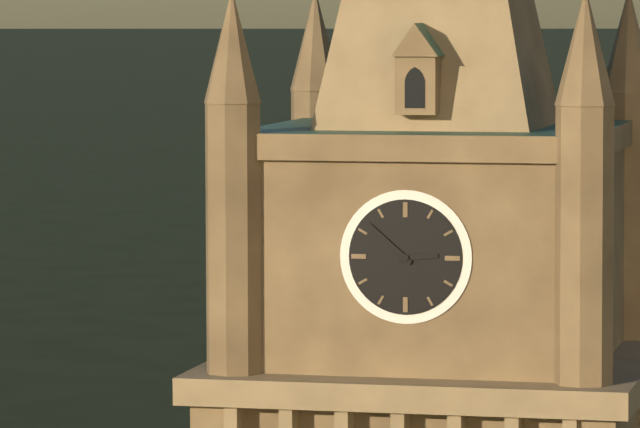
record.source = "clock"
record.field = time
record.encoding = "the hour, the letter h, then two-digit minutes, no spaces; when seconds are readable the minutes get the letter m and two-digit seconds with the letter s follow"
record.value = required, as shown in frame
2h52
